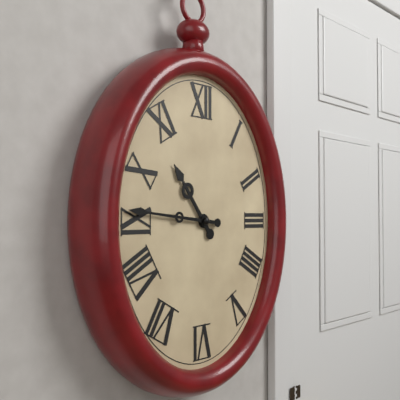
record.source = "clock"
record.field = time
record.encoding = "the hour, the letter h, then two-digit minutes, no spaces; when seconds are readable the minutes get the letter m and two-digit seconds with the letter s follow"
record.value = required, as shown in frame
10h46
